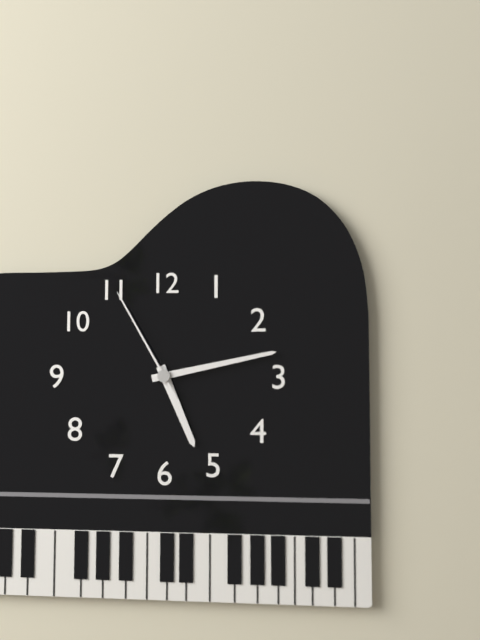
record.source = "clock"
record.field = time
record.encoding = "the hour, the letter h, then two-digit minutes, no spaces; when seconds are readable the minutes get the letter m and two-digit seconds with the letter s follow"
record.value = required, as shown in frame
5h13m55s
